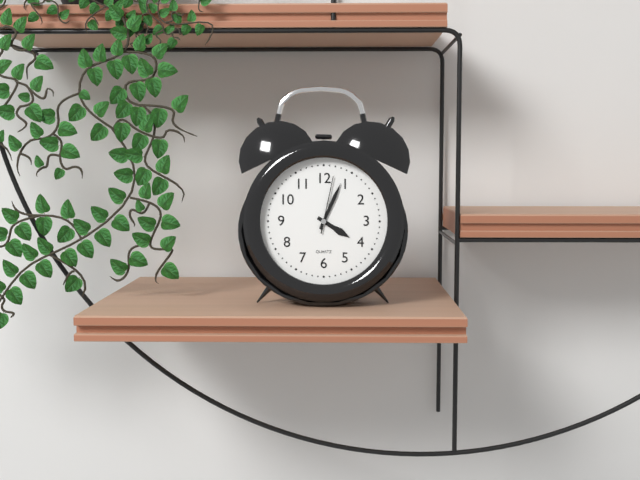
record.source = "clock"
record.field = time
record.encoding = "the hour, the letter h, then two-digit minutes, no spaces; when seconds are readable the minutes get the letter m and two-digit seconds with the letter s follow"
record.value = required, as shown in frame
4h04m02s
